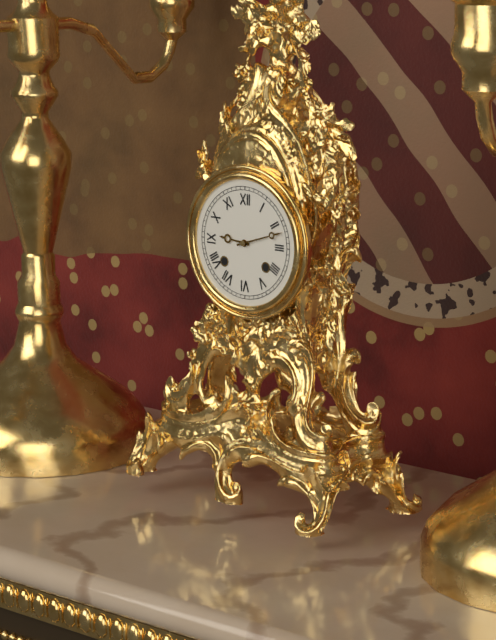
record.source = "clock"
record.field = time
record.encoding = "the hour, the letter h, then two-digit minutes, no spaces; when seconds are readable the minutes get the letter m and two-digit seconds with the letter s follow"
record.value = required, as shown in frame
9h12
